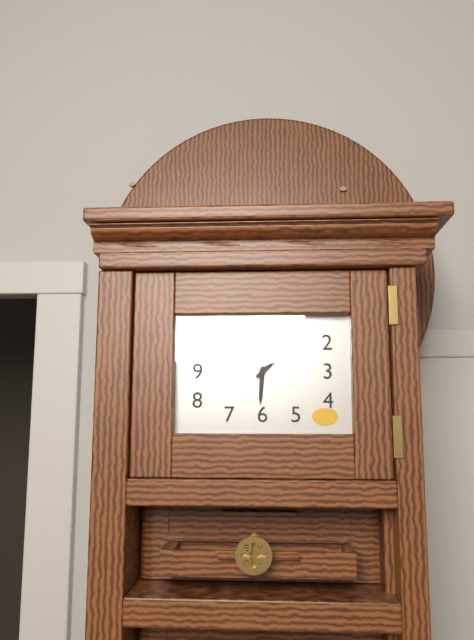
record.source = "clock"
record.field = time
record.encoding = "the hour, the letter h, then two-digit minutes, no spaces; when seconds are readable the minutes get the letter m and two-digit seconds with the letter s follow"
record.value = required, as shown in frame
6h08
